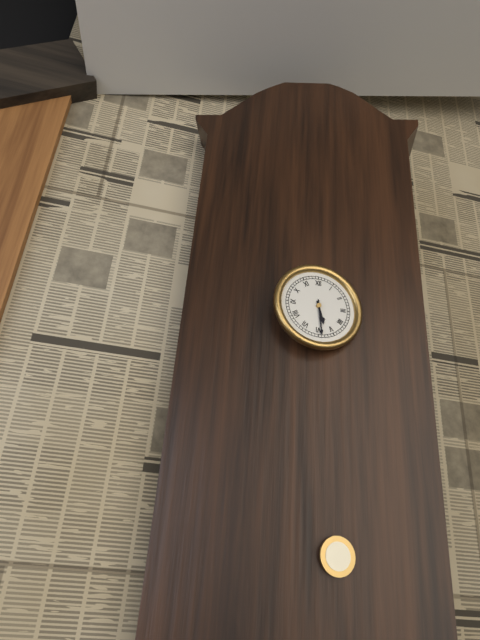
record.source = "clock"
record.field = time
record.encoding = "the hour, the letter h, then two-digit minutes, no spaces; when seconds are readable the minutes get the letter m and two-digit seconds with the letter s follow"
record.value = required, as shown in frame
5h29
